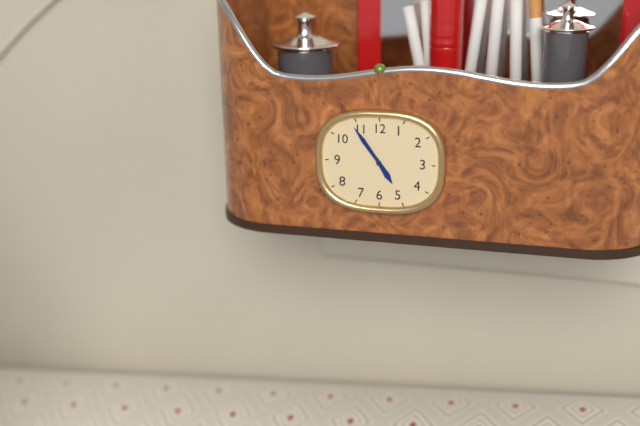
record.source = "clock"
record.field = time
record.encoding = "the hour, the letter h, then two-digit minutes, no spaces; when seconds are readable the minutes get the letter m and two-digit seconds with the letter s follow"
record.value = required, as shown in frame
4h54
